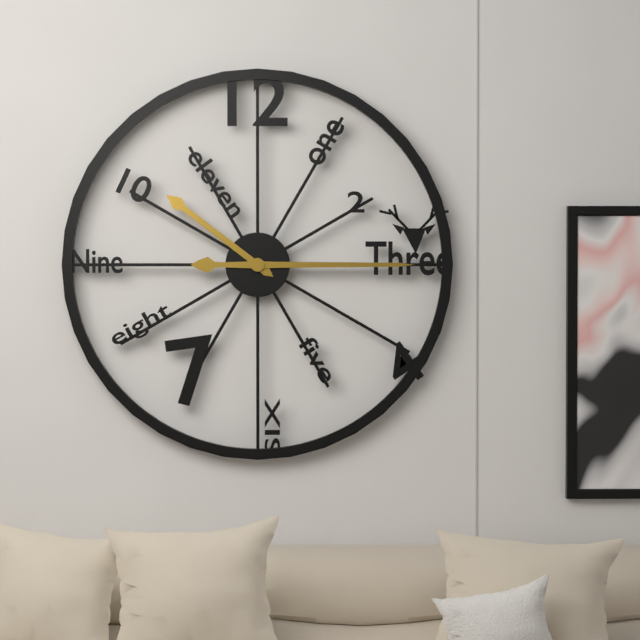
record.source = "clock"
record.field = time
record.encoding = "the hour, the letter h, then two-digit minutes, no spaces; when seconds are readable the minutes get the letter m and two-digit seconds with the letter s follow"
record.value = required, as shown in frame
10h15
